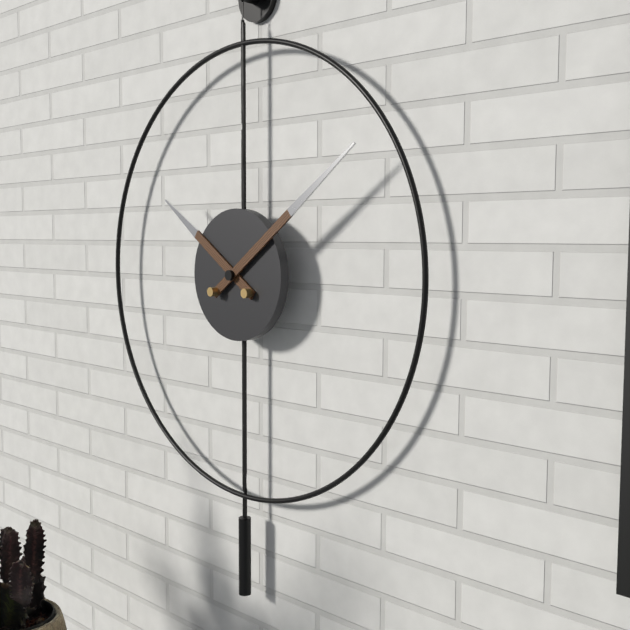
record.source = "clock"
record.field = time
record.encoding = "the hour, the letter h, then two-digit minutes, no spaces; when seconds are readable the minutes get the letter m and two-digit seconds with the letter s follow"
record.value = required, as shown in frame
10h09
